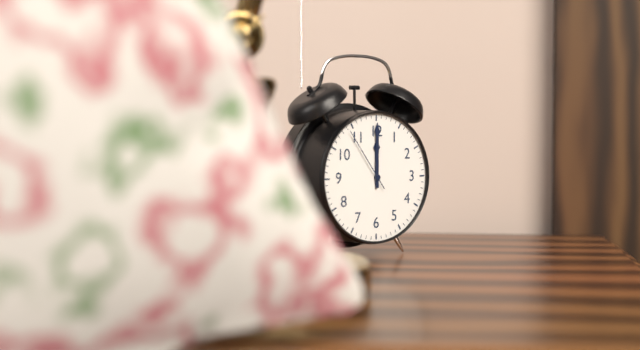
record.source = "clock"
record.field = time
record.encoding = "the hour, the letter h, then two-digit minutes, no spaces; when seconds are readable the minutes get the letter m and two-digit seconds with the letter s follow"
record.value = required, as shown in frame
12h00m54s
